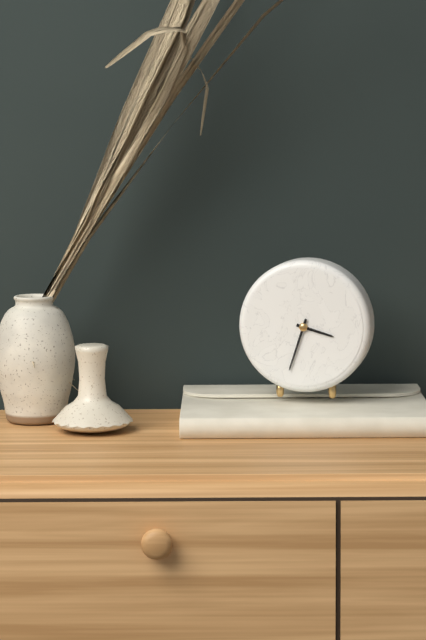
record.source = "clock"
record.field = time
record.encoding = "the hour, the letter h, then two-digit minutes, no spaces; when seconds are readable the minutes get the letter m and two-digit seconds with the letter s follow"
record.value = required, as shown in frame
3h33
